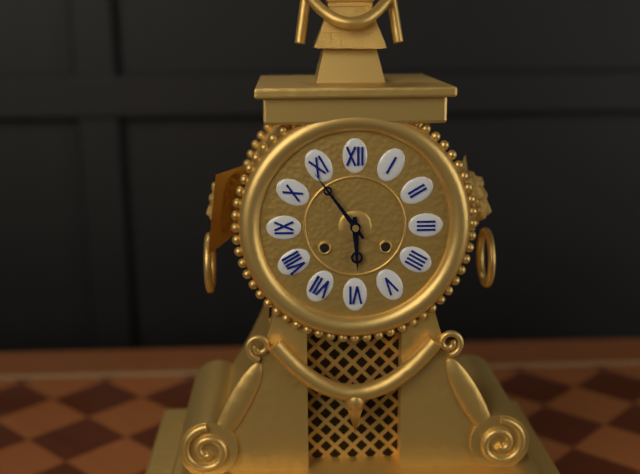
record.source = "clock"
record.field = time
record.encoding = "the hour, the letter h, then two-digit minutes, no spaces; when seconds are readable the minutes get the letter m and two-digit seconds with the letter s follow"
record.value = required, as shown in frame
5h54
